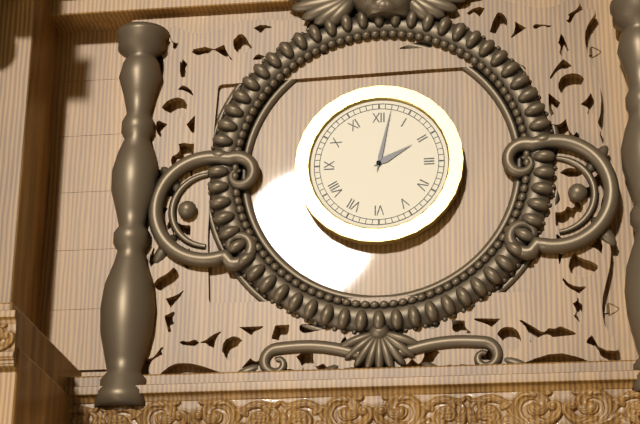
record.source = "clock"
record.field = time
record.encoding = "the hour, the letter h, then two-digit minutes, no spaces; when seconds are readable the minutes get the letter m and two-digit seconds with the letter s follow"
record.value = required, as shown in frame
2h02
